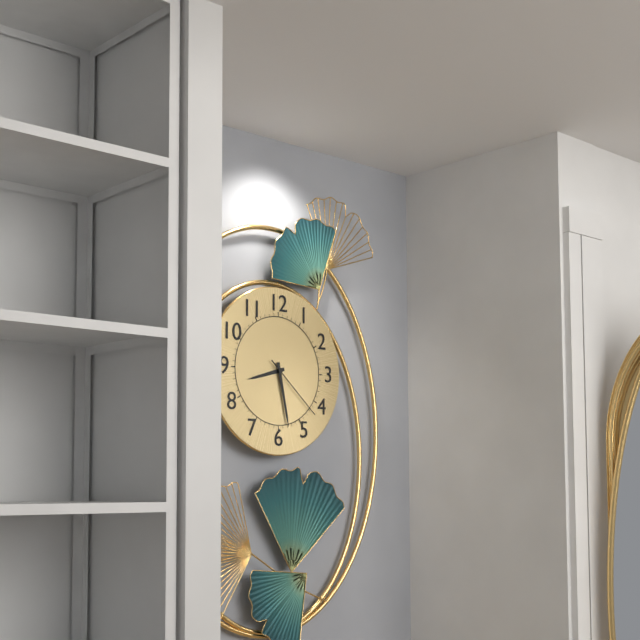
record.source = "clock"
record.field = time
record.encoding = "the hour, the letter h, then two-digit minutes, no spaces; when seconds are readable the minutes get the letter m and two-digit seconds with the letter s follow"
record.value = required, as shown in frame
8h28m22s
